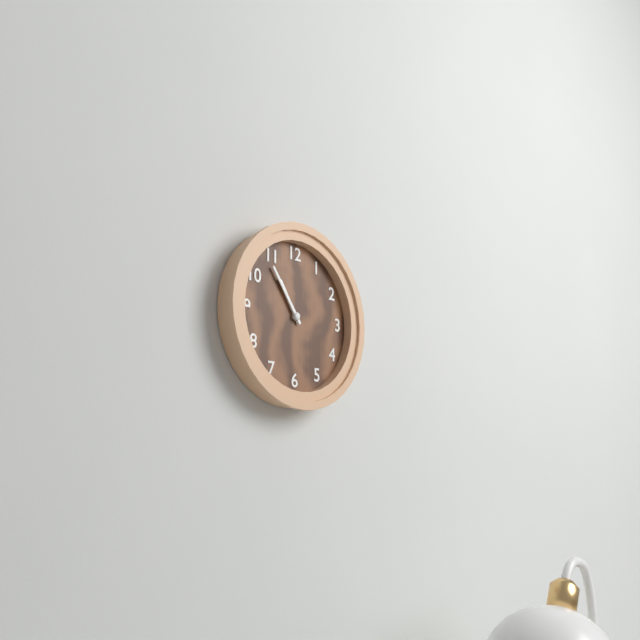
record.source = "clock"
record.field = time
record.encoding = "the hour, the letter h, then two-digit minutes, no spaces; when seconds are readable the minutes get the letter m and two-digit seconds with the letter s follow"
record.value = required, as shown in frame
10h54
